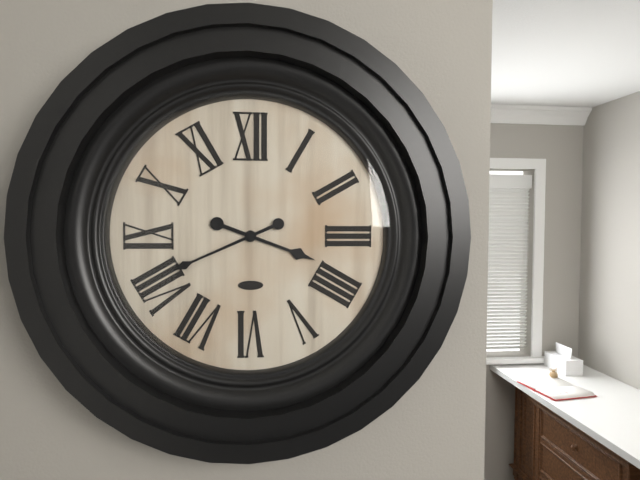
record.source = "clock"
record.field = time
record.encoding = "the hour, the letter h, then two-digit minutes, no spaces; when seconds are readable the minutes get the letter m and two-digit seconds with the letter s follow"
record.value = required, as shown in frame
3h41
